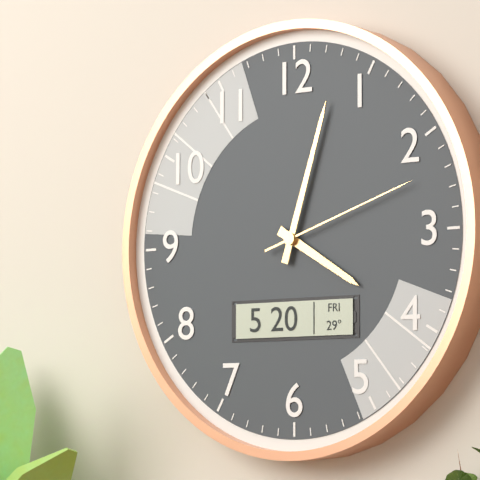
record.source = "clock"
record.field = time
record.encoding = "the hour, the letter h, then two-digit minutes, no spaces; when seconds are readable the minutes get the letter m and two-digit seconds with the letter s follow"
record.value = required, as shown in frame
4h03m12s
